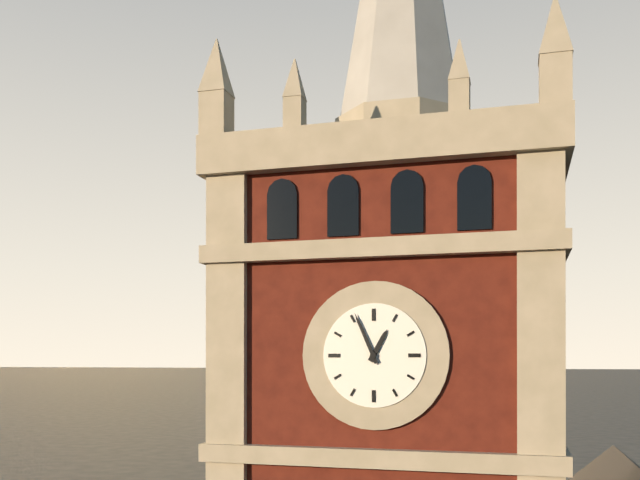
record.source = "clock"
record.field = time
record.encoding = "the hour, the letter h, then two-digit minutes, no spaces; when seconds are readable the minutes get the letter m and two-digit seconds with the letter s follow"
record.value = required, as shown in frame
12h56
